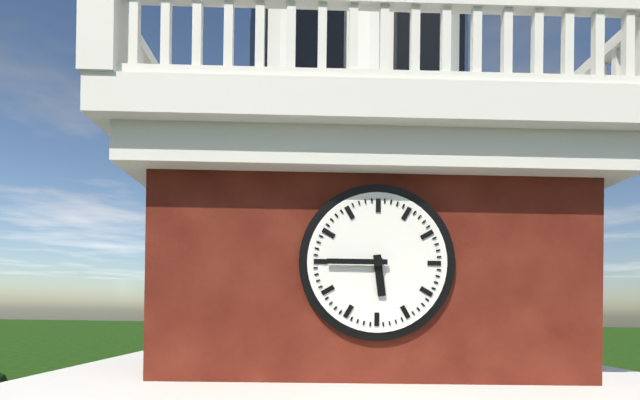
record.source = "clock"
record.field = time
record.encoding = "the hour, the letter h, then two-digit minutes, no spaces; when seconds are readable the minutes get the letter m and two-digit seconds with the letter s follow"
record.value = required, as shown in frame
5h45
